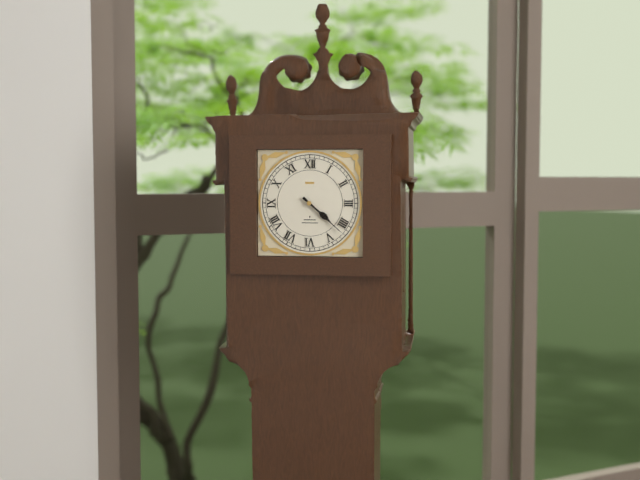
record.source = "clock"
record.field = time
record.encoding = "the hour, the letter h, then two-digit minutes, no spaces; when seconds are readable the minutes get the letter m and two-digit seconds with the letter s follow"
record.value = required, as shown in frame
4h22
